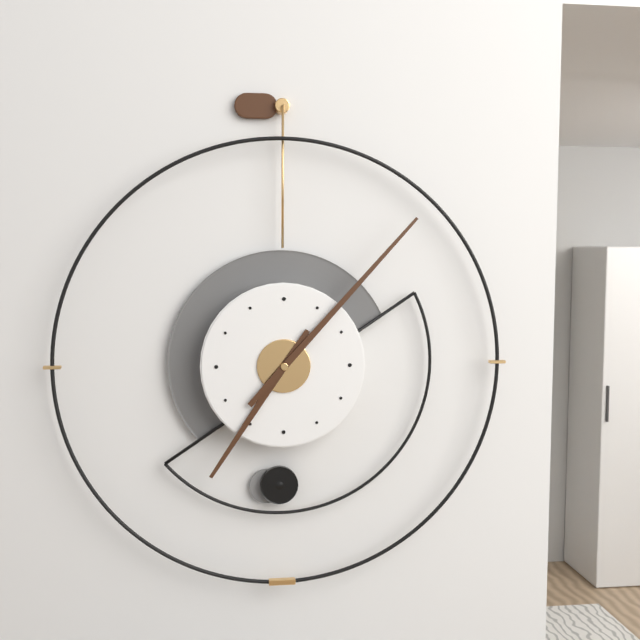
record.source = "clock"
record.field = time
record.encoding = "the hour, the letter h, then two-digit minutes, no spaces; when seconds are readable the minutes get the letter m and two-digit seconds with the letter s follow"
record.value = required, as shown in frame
7h07
